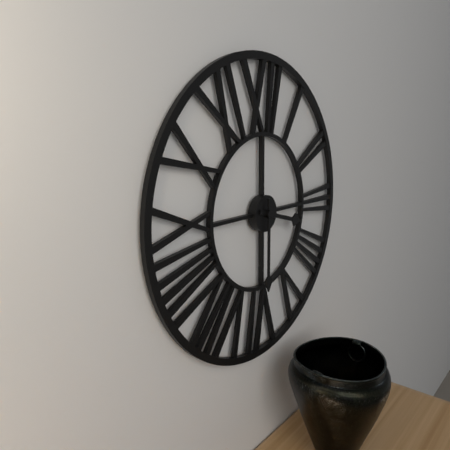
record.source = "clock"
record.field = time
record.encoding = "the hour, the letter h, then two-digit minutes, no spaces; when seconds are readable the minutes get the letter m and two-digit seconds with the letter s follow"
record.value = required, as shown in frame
3h30
